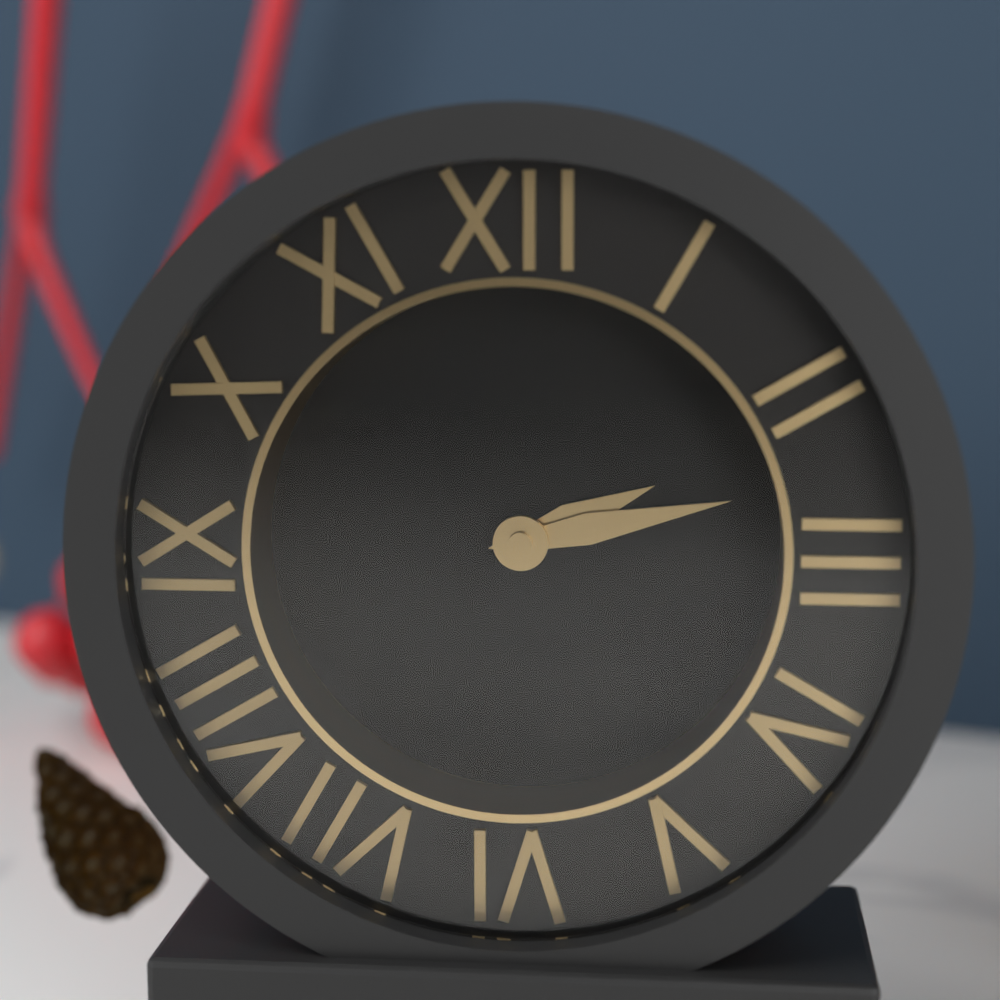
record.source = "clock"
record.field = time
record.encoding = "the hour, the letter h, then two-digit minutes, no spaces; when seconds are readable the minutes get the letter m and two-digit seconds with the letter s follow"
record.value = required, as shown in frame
2h13
